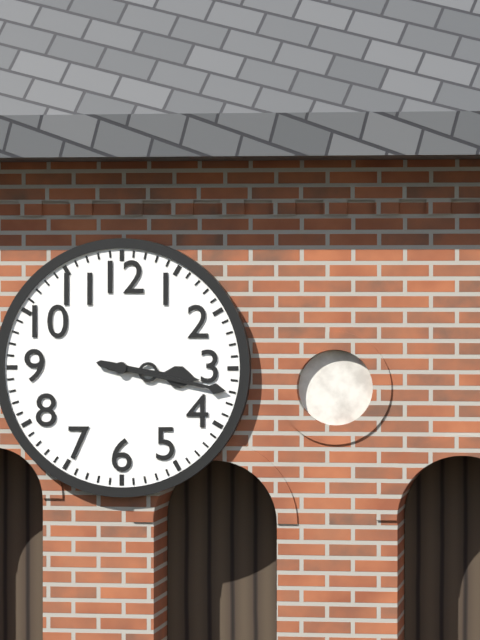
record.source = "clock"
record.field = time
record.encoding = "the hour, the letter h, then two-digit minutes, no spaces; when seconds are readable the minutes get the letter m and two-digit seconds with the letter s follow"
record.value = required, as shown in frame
3h17
